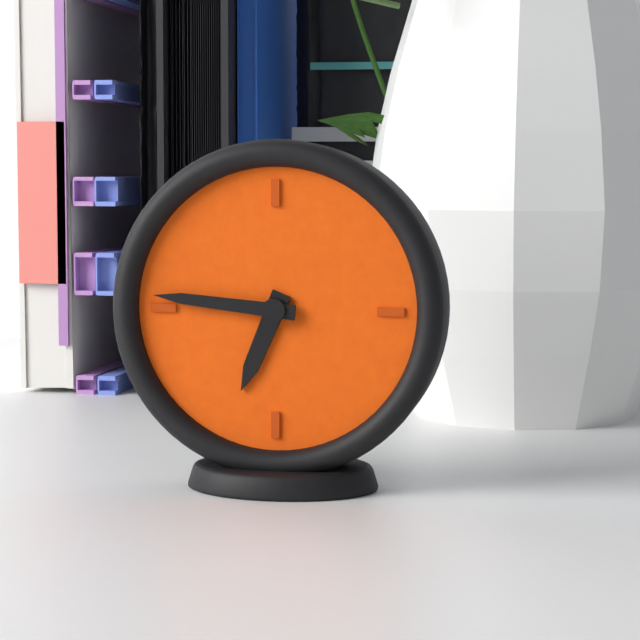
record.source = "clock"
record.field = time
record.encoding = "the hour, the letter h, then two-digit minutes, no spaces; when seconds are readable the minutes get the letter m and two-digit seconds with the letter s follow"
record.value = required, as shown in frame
6h46
